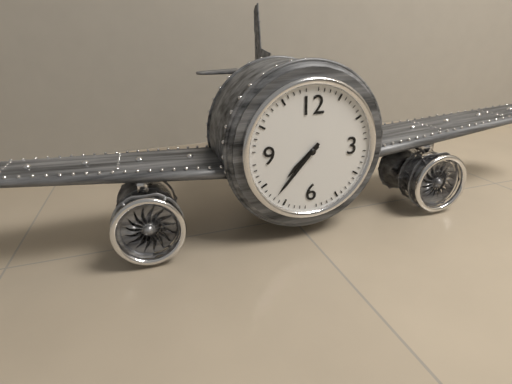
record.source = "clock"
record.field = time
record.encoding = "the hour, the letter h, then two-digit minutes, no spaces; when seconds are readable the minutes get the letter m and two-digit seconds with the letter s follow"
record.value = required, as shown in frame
7h37
